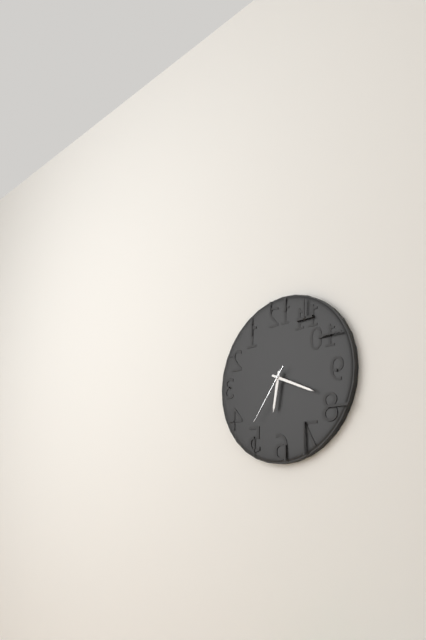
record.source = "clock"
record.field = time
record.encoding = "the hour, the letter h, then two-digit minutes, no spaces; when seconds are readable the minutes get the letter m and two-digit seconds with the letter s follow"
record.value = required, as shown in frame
6h19m36s
